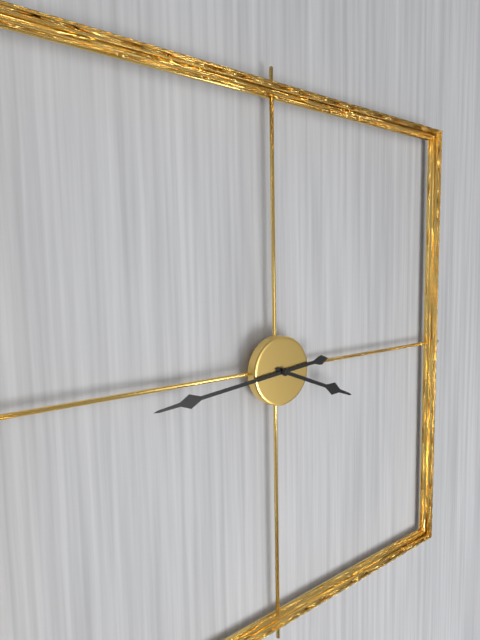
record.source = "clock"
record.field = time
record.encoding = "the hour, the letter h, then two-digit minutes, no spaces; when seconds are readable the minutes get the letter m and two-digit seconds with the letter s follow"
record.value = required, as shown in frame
3h44
